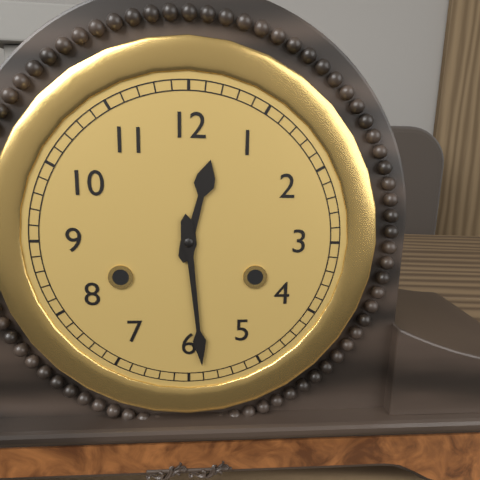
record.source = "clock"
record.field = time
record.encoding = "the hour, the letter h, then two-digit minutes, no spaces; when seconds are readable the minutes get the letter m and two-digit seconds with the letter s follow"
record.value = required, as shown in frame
12h29
